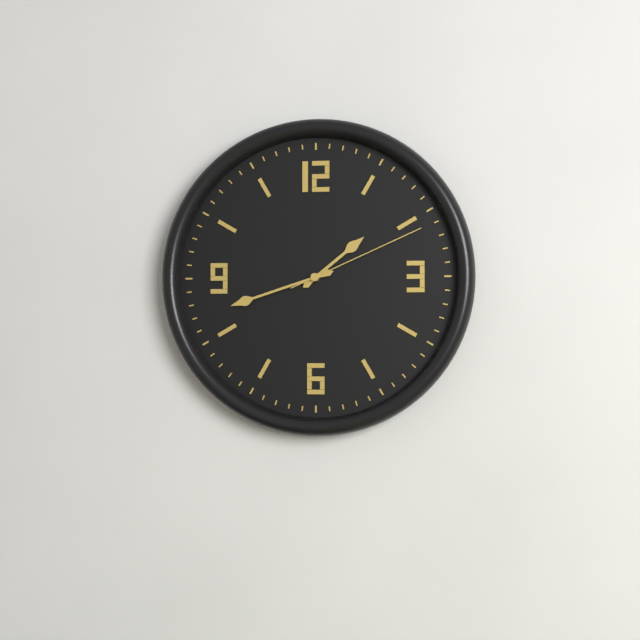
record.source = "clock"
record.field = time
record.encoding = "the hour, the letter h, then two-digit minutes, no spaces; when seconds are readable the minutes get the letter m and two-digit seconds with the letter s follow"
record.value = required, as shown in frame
1h42m11s
